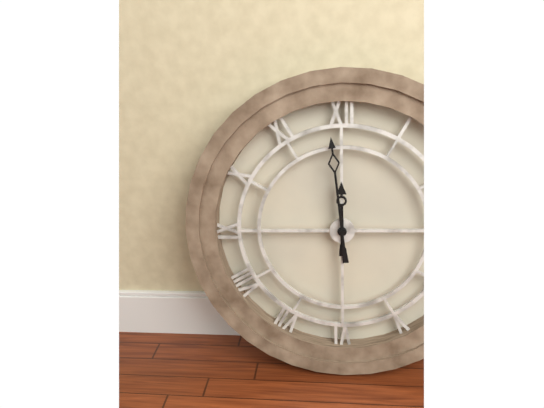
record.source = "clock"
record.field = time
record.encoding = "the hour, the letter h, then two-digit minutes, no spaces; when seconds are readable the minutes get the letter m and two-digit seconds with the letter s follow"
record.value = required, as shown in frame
11h59
